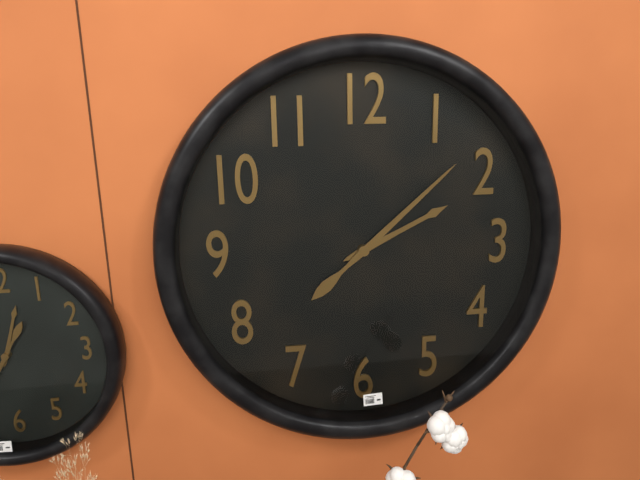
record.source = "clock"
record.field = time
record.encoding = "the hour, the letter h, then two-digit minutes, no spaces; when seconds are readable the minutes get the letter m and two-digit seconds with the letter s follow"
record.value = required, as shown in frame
2h08
